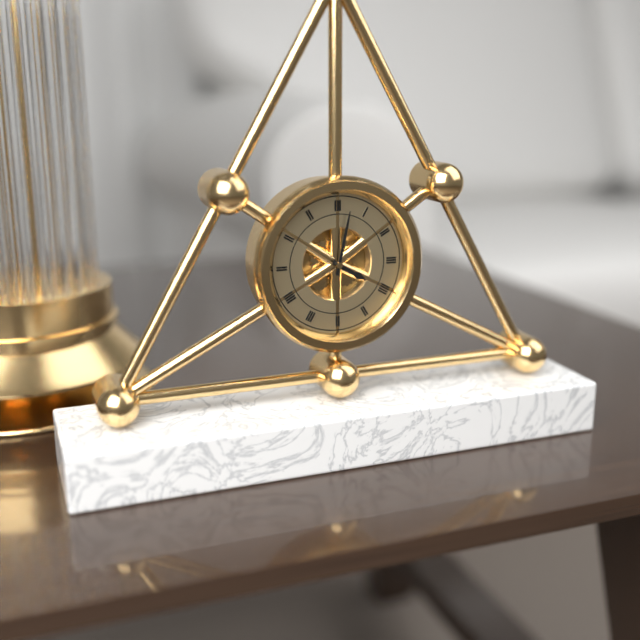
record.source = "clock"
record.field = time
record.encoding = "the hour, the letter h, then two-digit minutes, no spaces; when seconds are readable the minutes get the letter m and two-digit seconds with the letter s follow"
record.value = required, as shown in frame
4h02
